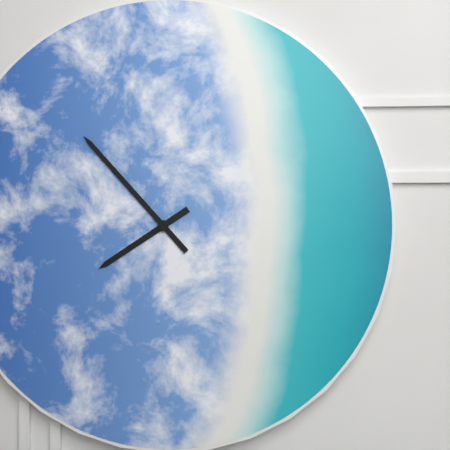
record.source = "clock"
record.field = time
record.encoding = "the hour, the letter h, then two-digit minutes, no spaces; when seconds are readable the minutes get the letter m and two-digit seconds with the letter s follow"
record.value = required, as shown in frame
7h53
